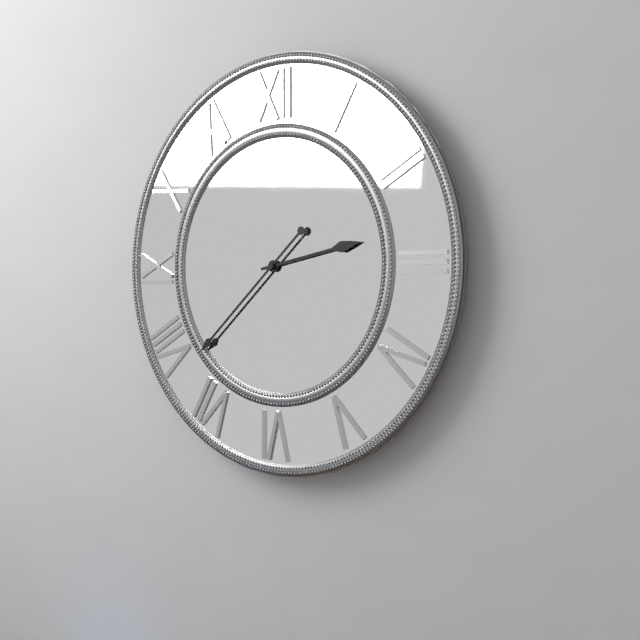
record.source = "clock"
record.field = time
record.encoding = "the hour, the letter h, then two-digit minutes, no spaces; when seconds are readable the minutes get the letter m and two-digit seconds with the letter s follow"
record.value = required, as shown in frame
2h38
